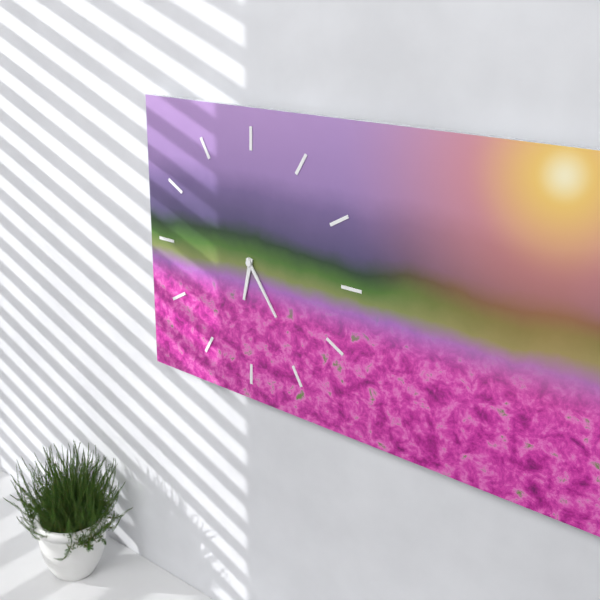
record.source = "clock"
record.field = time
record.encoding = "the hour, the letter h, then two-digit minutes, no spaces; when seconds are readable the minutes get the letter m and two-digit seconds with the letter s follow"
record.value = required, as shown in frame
6h24
